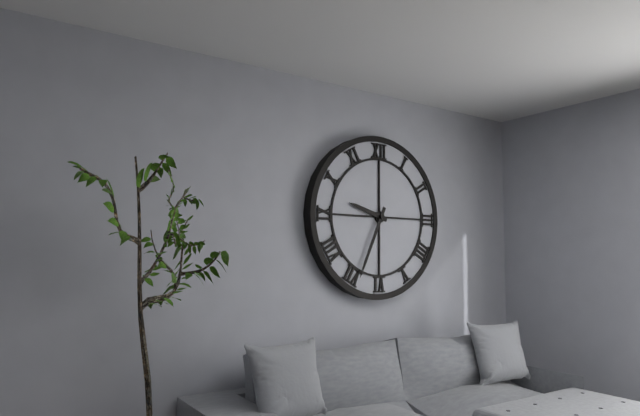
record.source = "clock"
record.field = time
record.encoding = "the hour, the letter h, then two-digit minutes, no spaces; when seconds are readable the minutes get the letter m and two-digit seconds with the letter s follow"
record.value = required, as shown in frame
9h34
